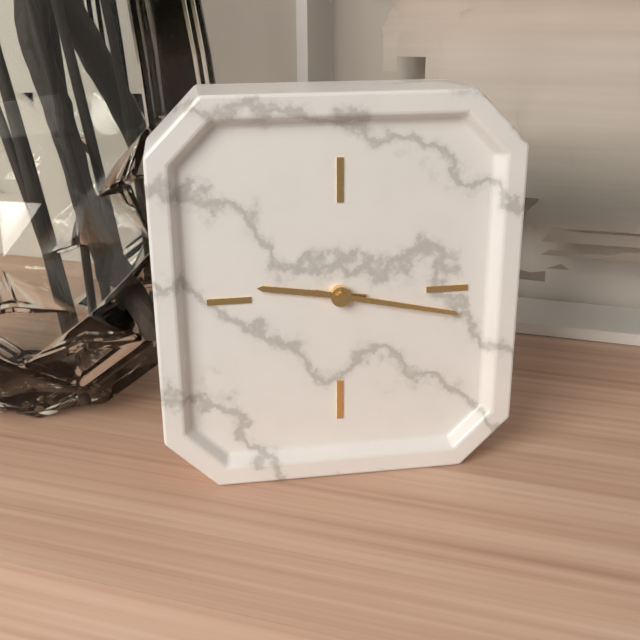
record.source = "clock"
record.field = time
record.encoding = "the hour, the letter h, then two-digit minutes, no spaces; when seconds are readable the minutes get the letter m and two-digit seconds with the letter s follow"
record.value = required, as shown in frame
9h17
